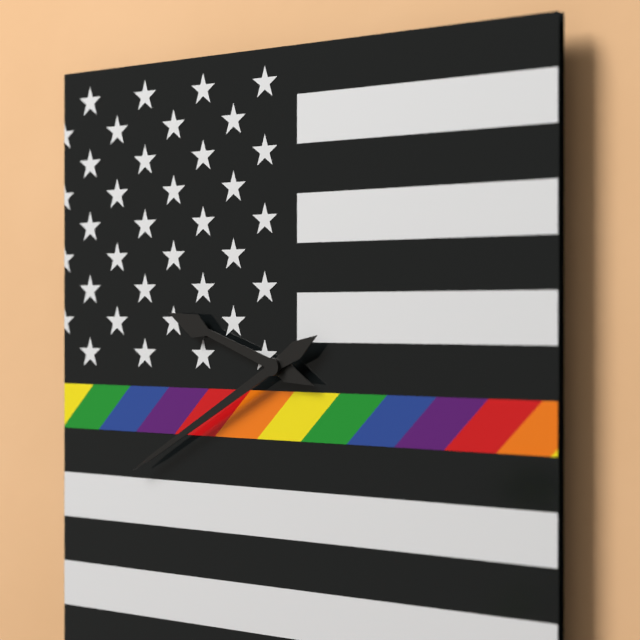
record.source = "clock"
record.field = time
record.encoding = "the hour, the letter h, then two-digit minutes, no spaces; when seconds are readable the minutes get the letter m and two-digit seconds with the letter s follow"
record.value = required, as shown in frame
9h40
